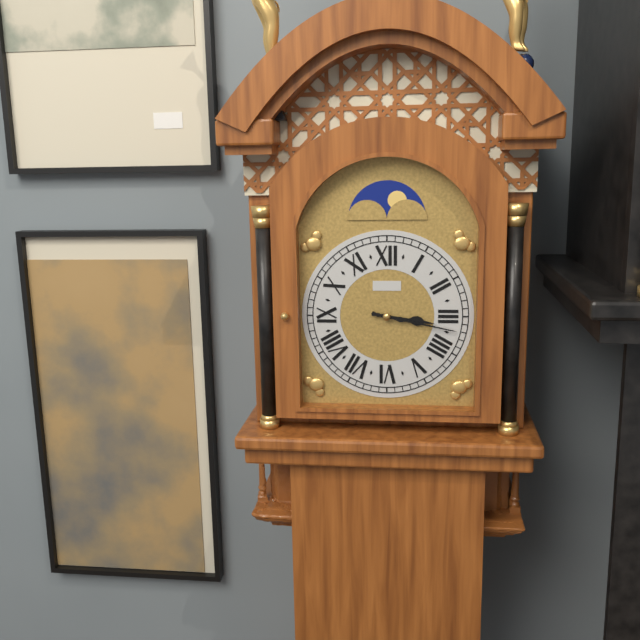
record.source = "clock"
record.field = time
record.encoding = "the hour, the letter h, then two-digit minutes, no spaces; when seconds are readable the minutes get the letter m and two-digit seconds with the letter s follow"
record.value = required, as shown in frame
3h17
